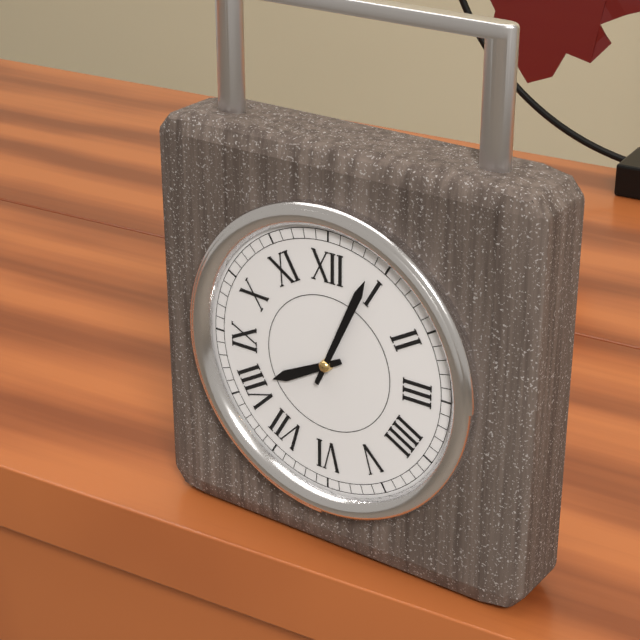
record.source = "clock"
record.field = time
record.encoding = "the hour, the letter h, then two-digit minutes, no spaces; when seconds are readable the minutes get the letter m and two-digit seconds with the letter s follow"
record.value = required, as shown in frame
8h04
